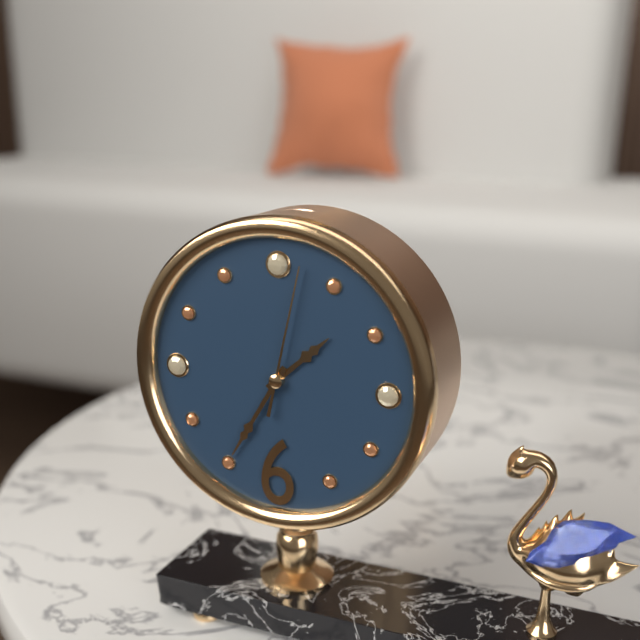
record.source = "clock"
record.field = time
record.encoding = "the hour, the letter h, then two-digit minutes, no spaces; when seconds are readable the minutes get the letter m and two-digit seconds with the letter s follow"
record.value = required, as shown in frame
1h35m02s
